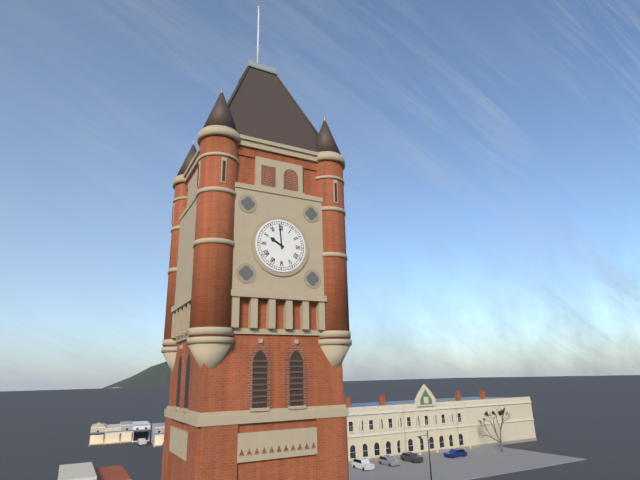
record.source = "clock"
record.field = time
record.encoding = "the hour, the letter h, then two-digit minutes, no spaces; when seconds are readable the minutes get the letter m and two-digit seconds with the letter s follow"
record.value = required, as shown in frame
9h59
